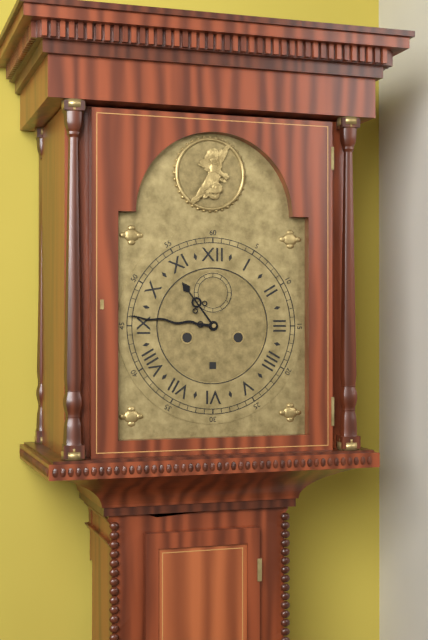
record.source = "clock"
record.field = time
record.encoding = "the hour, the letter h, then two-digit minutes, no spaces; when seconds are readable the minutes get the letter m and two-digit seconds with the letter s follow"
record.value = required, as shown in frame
10h46
